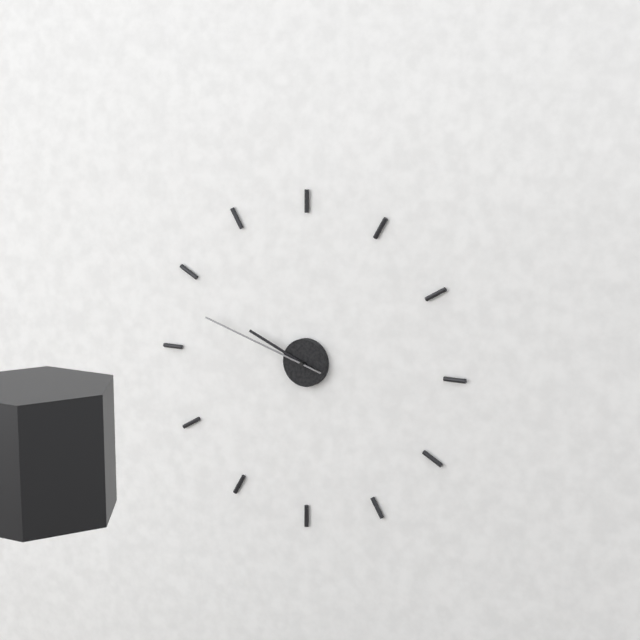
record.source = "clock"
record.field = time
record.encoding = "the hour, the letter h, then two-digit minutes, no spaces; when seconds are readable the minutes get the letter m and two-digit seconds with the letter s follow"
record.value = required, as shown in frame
9h48
